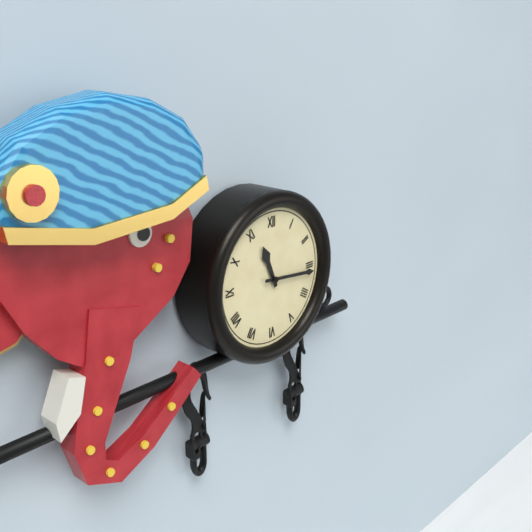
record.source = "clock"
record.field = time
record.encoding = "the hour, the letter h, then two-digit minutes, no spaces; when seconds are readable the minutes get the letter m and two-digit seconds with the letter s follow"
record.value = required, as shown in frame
11h16
